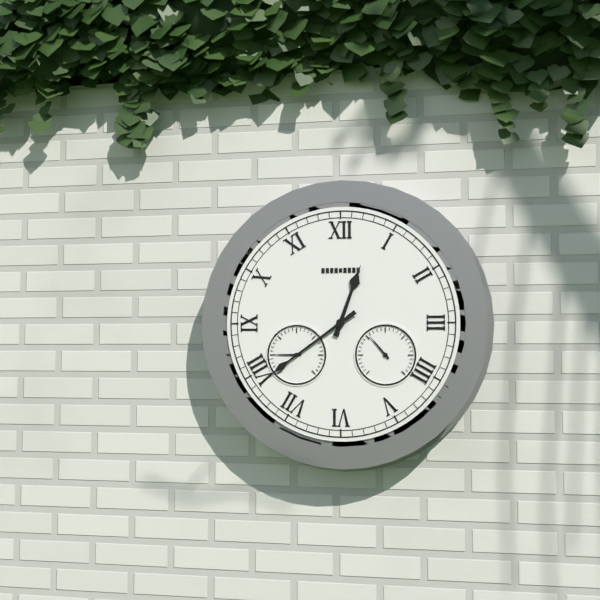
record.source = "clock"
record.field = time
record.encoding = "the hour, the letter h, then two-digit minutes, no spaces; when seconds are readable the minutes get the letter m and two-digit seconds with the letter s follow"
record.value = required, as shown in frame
12h39
